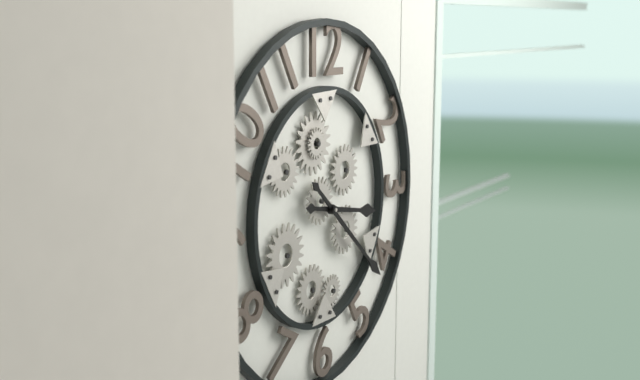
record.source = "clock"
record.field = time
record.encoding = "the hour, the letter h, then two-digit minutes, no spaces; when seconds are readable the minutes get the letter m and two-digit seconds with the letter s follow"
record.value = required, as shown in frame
3h22
